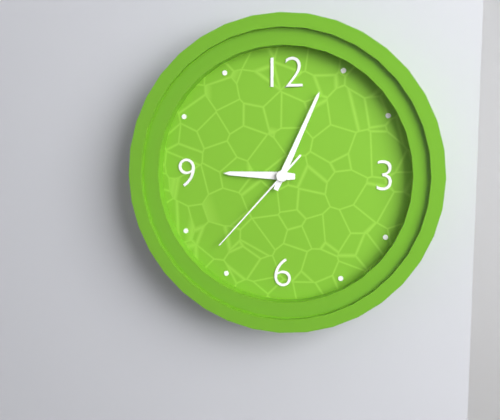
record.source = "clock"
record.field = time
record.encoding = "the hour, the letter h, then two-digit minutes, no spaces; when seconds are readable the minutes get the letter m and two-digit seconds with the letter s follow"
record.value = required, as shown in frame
9h04m37s
